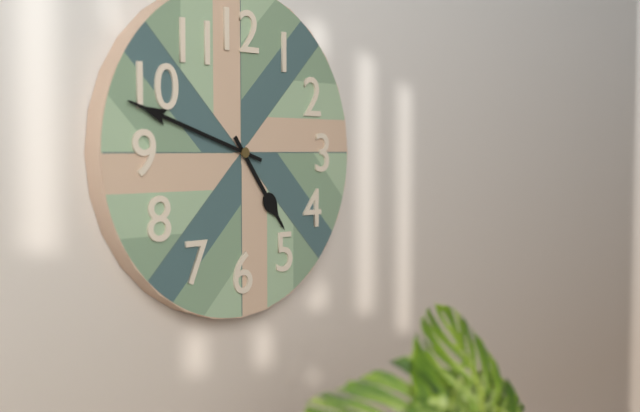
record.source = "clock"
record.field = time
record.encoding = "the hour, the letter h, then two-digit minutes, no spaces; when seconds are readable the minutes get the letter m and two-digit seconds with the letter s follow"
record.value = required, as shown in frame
4h48
